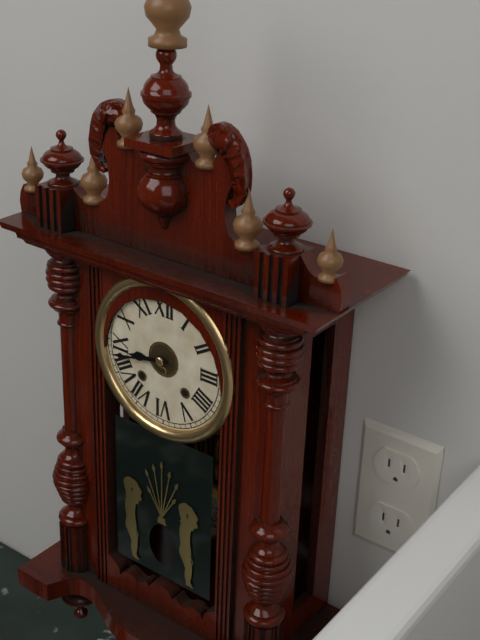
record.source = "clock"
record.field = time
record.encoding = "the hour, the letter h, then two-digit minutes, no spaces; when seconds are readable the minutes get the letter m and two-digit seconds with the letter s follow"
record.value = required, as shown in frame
8h43
